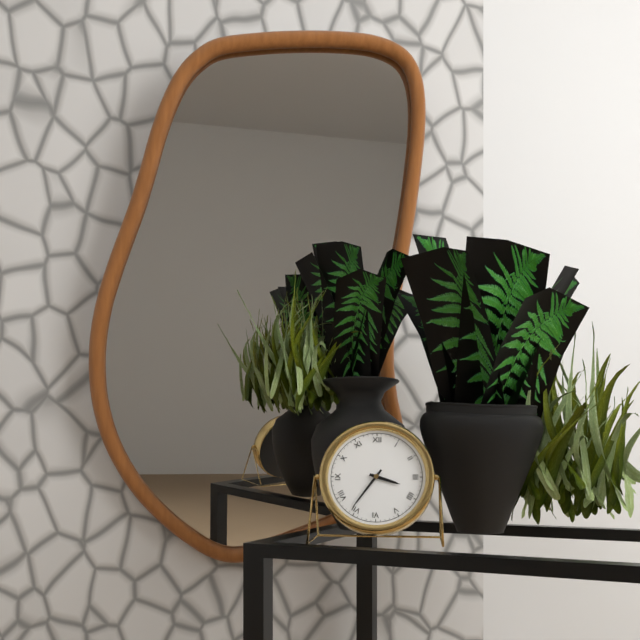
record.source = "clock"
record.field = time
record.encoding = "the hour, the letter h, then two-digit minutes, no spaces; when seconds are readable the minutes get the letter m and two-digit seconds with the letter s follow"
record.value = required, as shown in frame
3h36
